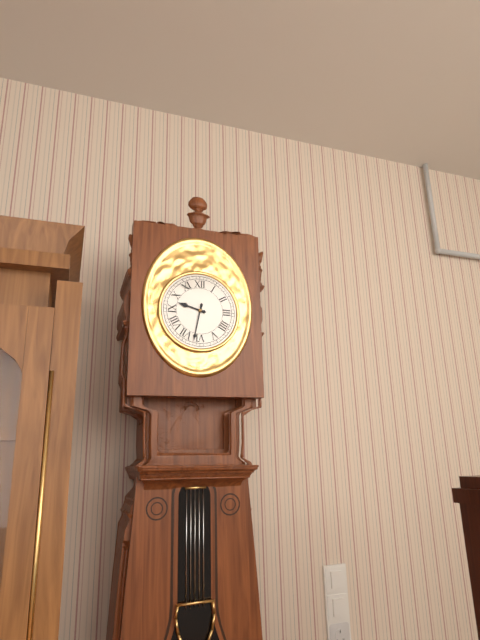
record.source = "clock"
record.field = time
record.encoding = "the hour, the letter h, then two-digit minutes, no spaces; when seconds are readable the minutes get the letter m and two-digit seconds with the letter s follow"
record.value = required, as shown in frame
9h32
